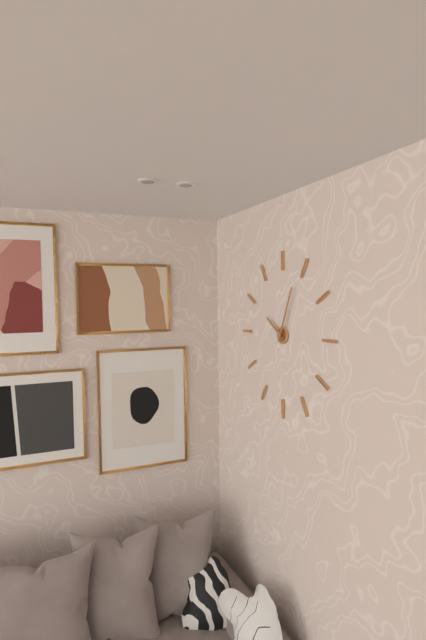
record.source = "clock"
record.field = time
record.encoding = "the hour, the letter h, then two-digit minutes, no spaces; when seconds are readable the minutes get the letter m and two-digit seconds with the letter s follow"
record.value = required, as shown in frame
10h04
